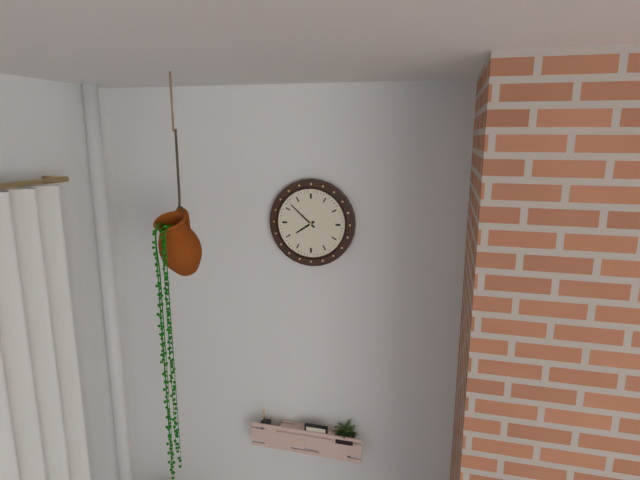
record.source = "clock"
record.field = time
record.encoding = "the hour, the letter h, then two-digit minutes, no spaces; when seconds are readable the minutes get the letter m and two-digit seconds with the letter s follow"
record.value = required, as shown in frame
7h52
